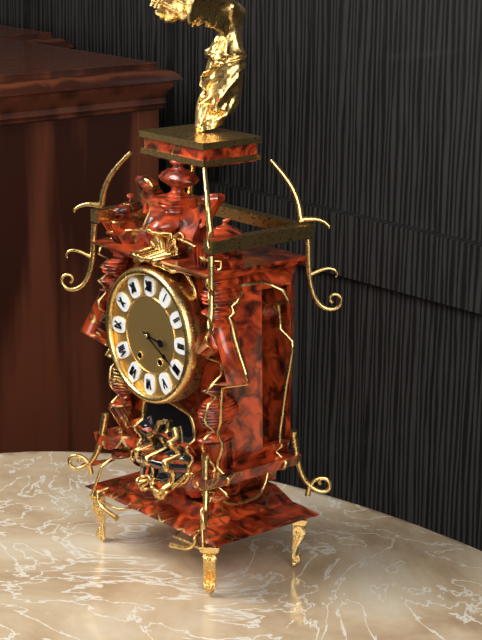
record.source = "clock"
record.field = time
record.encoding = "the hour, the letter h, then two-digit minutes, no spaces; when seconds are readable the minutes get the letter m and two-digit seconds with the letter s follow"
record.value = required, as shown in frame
3h20
